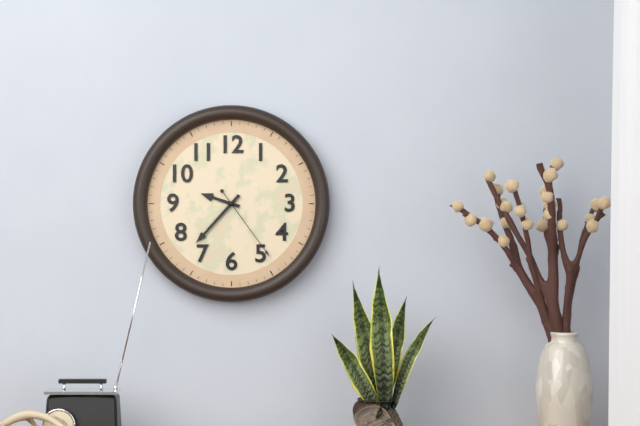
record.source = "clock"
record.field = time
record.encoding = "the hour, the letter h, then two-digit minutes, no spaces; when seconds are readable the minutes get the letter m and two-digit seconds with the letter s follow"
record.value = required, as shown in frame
9h37m24s
